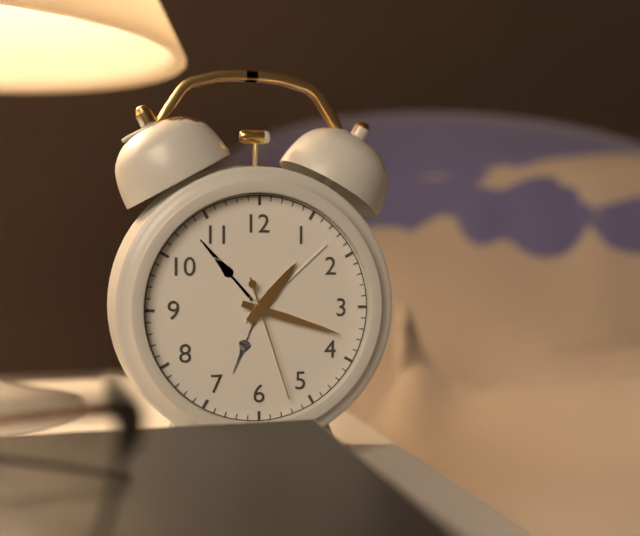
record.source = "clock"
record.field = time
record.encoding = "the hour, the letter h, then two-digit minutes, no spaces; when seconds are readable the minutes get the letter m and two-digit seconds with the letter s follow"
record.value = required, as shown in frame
1h18m27s
